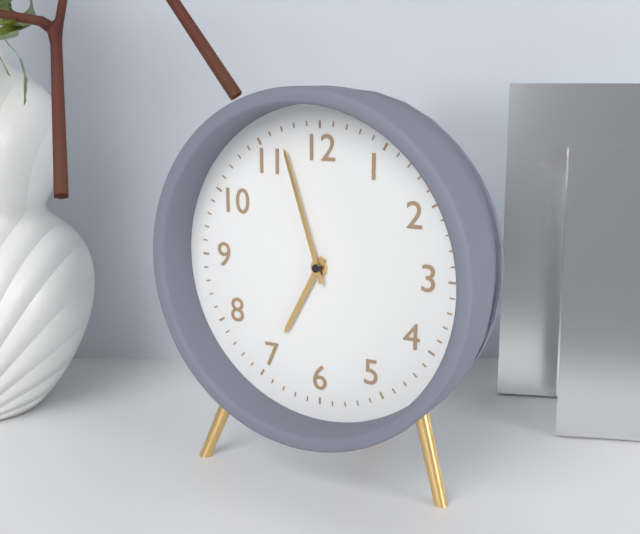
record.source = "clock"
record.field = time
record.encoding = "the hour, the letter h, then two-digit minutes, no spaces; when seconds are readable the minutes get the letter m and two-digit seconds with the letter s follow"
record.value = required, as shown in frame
6h57
